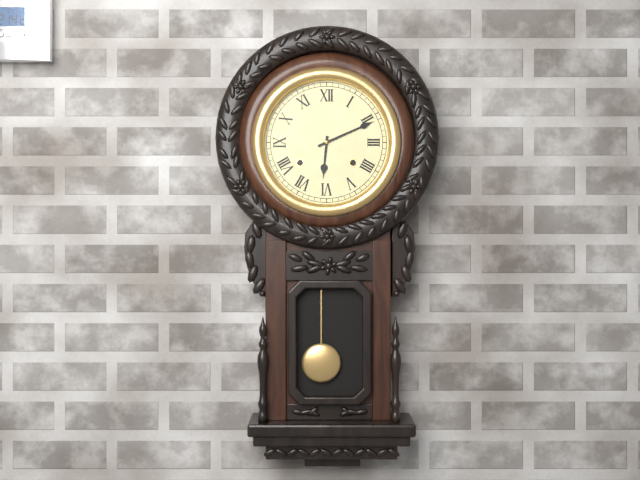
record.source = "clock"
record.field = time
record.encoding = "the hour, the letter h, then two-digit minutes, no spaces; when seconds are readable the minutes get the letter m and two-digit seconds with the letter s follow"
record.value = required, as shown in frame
6h11
